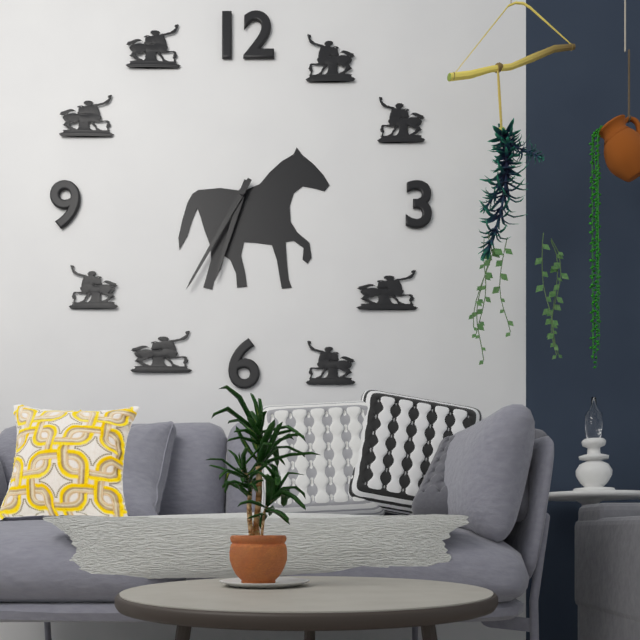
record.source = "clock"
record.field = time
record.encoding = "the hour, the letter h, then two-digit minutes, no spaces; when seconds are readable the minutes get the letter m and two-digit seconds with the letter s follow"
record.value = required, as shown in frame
6h35
